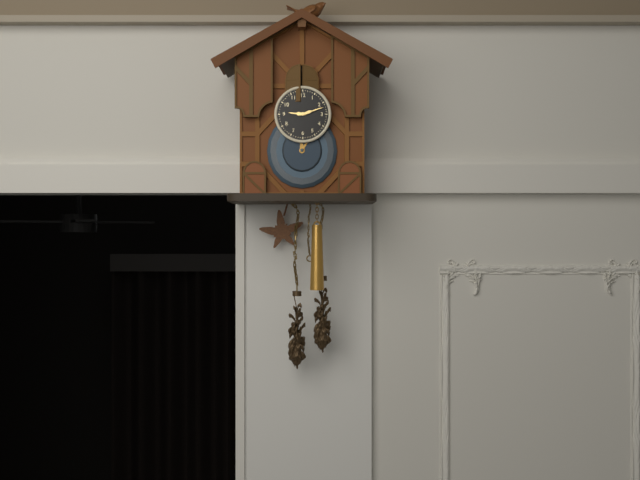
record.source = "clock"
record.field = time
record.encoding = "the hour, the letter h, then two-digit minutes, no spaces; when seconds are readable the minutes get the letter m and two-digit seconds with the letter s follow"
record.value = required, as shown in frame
9h12
